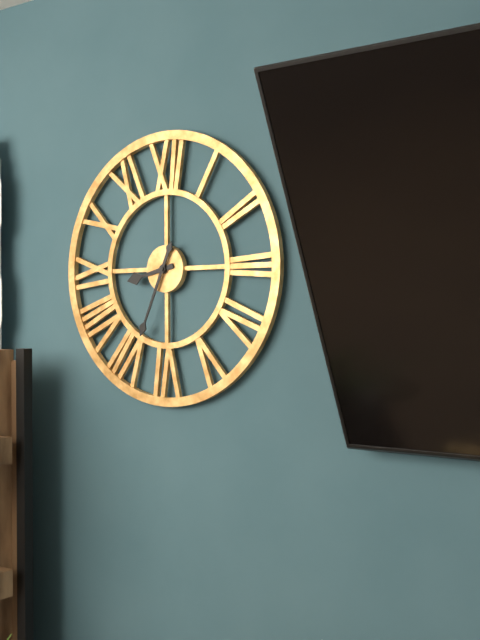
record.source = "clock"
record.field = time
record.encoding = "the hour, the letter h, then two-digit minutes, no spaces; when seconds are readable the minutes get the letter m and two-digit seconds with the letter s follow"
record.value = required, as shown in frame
8h34
